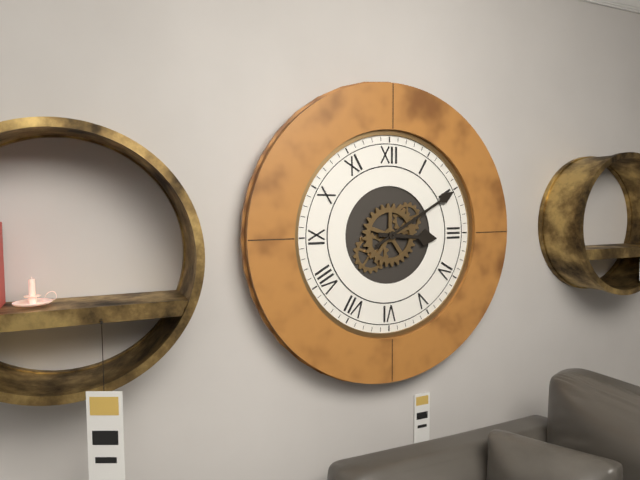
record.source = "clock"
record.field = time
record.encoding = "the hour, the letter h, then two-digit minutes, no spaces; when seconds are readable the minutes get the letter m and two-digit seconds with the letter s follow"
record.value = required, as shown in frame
3h10
